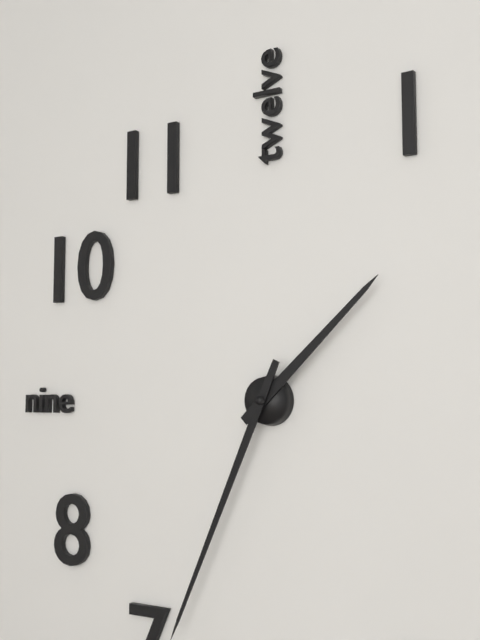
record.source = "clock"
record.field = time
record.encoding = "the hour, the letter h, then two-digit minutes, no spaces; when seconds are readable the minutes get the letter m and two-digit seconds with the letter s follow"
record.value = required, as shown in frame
1h34
